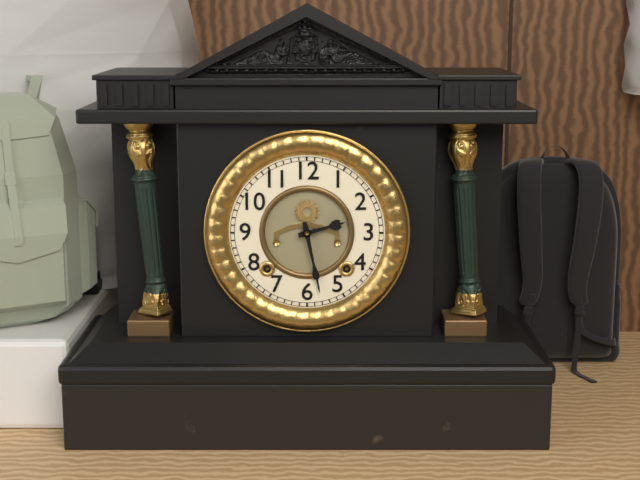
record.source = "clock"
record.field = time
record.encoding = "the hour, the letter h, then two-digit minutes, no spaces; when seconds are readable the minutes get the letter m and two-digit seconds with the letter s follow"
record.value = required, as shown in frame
2h28
